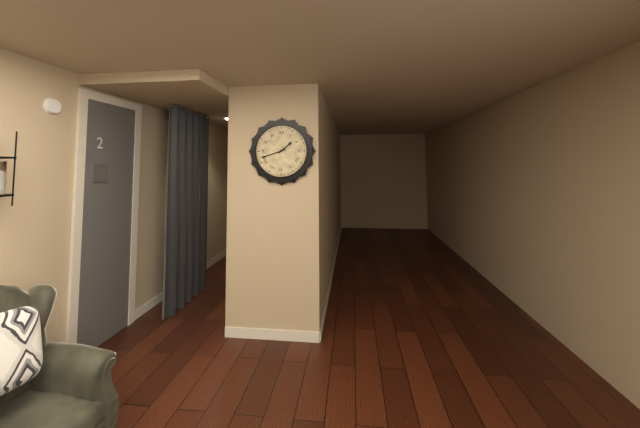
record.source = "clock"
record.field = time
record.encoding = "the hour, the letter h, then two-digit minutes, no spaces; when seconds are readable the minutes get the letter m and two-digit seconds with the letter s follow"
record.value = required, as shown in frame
1h42
